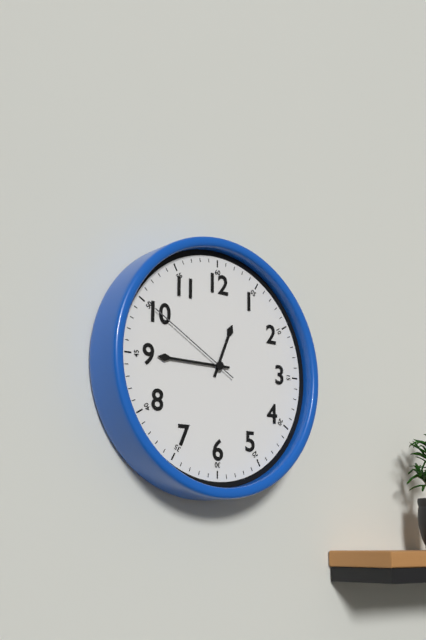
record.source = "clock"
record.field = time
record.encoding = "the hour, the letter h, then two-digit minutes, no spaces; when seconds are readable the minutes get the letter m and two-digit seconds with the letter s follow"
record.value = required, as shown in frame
12h45m50s
